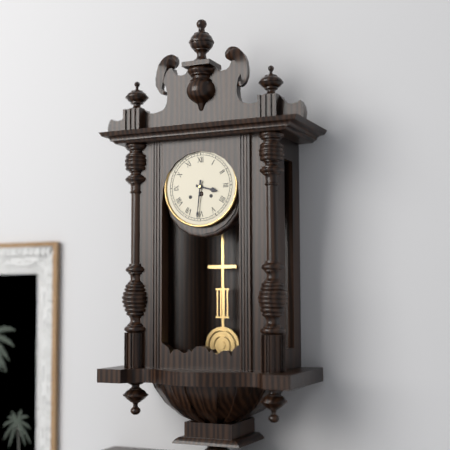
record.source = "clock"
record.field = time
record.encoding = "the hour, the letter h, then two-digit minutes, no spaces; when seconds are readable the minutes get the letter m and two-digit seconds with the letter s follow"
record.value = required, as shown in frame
3h31
